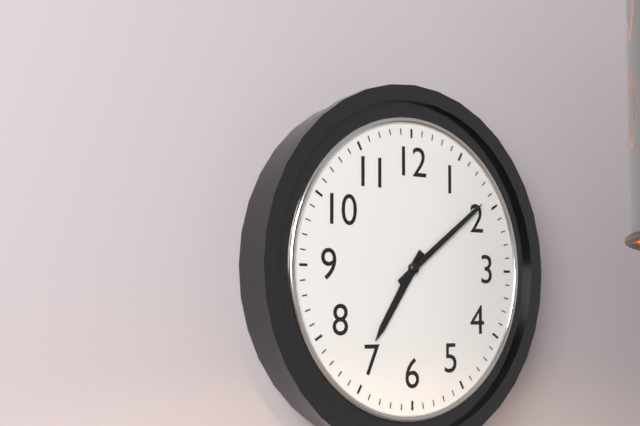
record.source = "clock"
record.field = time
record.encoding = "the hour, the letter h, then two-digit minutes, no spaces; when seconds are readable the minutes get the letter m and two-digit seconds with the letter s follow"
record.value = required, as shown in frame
7h09
